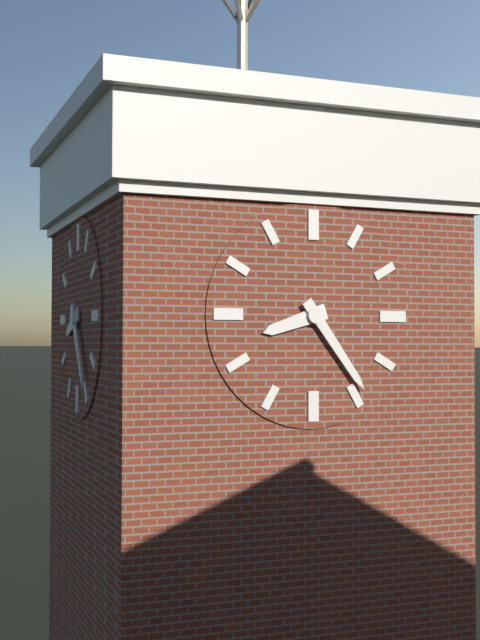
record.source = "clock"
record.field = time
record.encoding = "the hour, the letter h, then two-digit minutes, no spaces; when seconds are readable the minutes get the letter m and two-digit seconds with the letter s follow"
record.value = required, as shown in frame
8h24
